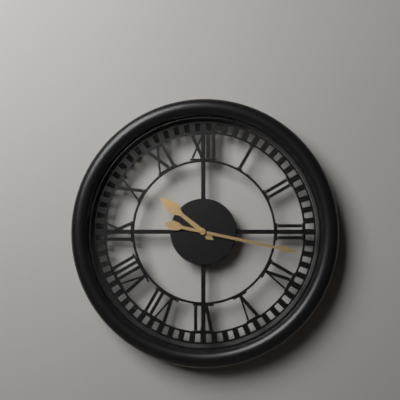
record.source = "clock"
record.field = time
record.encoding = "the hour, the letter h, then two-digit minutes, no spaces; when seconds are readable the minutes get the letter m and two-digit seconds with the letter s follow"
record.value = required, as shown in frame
10h17
